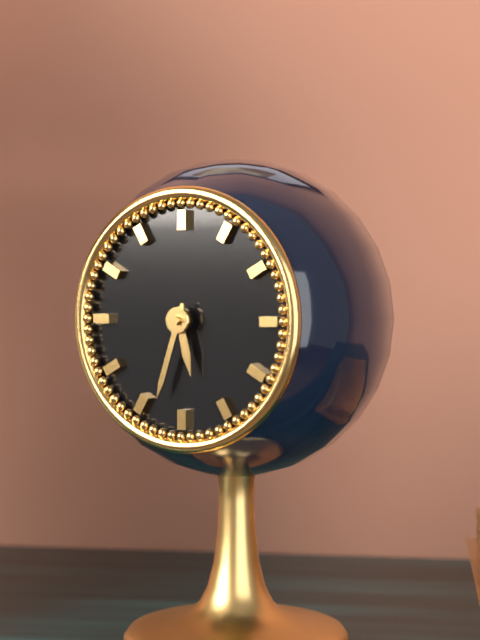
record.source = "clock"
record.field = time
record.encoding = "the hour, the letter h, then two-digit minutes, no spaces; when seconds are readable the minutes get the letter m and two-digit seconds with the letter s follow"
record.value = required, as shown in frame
5h33
